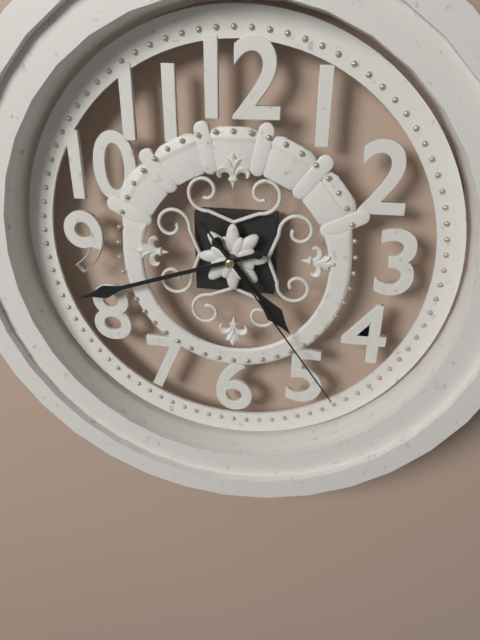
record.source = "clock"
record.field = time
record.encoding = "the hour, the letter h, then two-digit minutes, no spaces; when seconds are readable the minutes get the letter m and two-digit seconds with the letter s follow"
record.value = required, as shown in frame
4h42m24s
